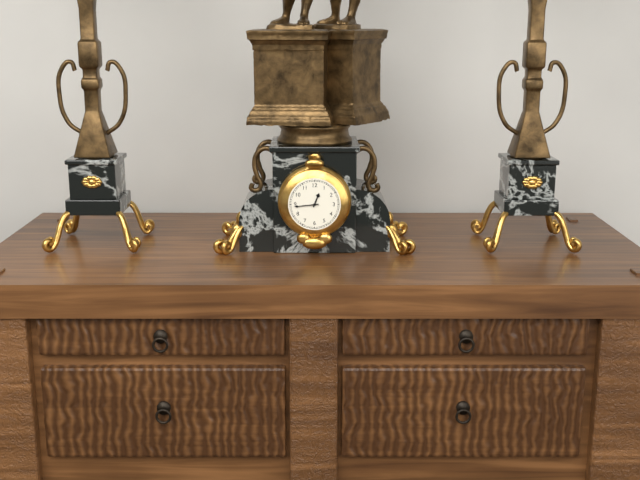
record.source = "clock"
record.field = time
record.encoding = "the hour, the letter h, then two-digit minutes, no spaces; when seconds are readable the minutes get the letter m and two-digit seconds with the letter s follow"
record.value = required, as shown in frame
12h44
